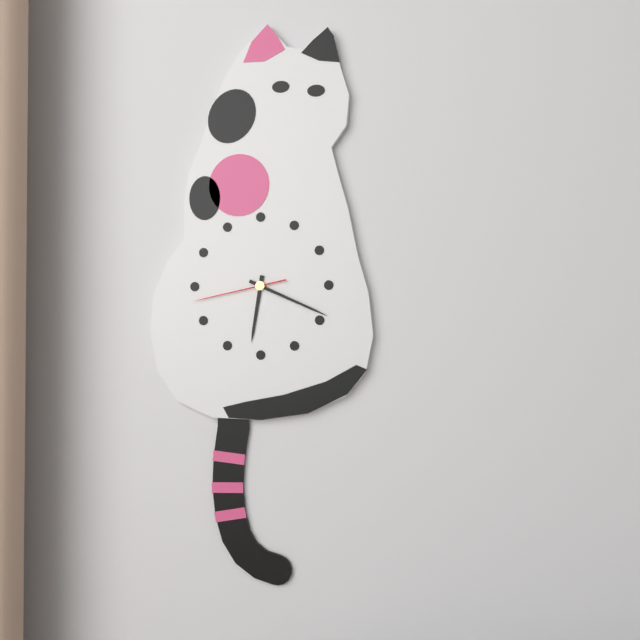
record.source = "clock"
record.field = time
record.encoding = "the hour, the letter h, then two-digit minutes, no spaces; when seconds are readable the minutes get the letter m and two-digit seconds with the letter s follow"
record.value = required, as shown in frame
6h19m43s
